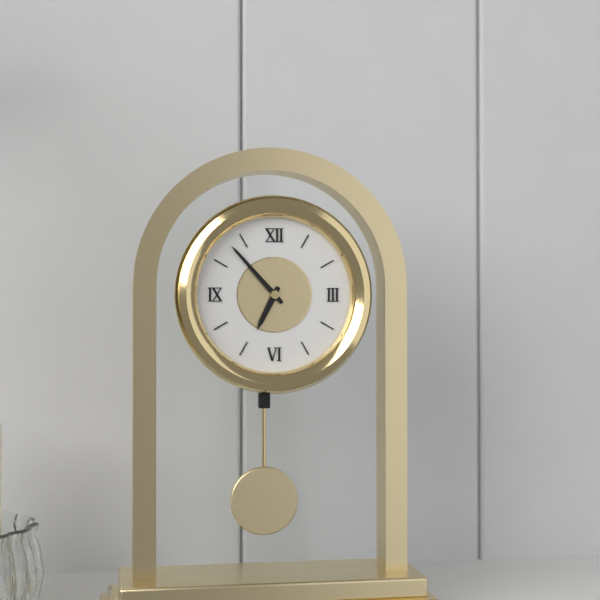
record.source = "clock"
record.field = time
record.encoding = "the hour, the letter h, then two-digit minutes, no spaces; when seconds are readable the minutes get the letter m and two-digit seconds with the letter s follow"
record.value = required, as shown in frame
6h53
